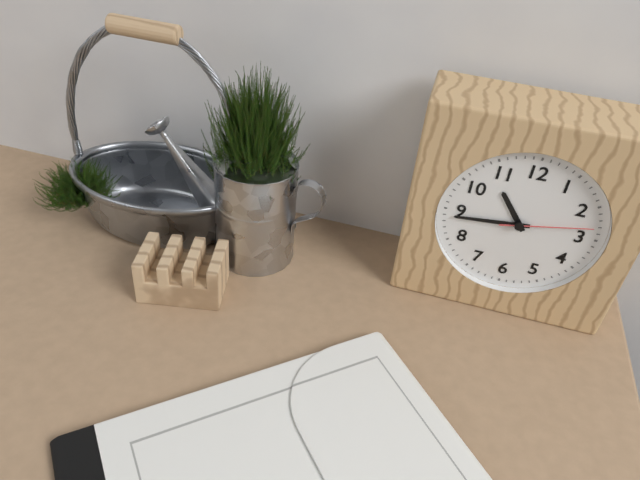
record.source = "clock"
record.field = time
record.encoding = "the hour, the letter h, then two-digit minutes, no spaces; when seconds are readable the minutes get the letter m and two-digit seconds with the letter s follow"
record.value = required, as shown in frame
10h44m13s
